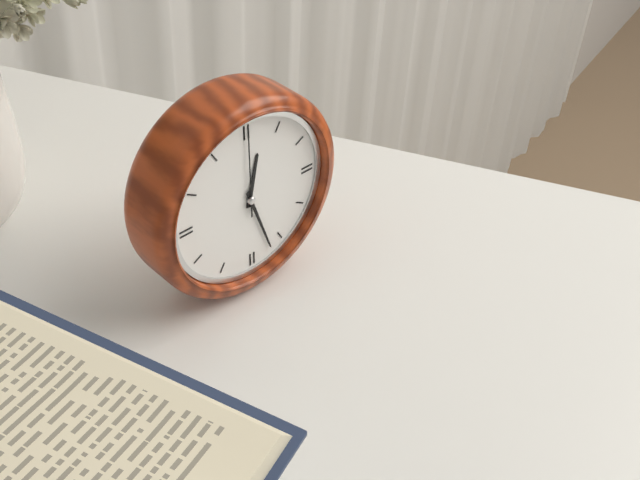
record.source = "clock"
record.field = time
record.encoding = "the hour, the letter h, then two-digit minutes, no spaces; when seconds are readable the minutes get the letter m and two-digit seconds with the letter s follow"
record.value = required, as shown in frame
12h27m00s
